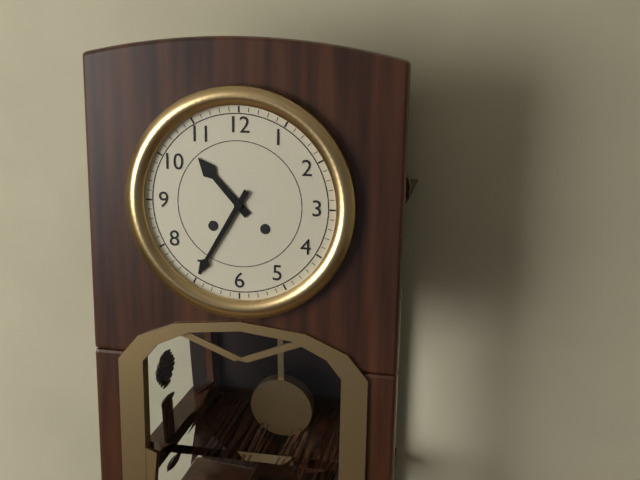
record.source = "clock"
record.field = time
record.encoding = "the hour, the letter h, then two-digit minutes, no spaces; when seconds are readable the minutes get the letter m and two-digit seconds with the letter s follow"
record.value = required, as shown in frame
10h35
